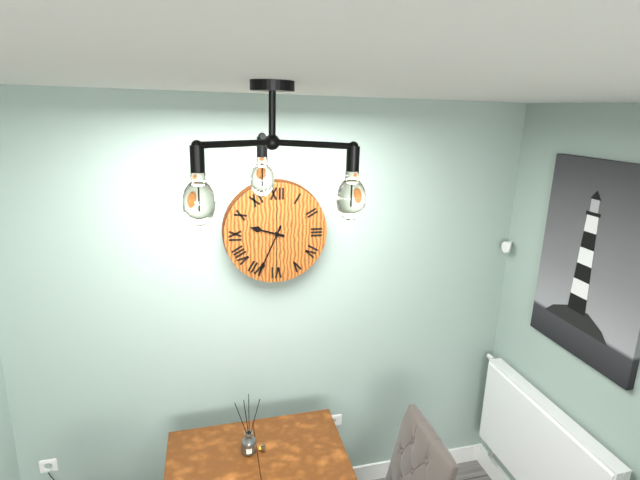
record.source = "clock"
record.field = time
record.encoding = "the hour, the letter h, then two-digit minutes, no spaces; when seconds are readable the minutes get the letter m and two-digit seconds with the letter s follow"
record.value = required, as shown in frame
9h34
